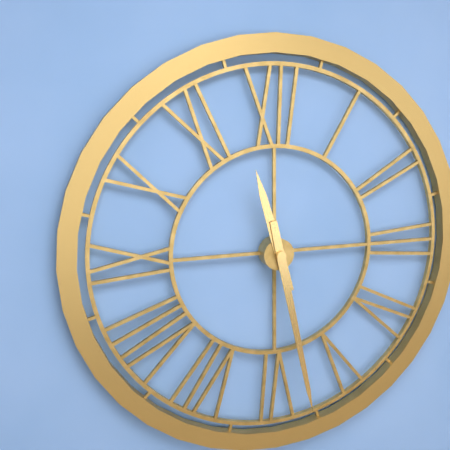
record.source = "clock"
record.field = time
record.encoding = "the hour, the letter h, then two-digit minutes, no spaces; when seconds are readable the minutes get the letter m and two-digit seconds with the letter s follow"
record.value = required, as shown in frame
11h28
